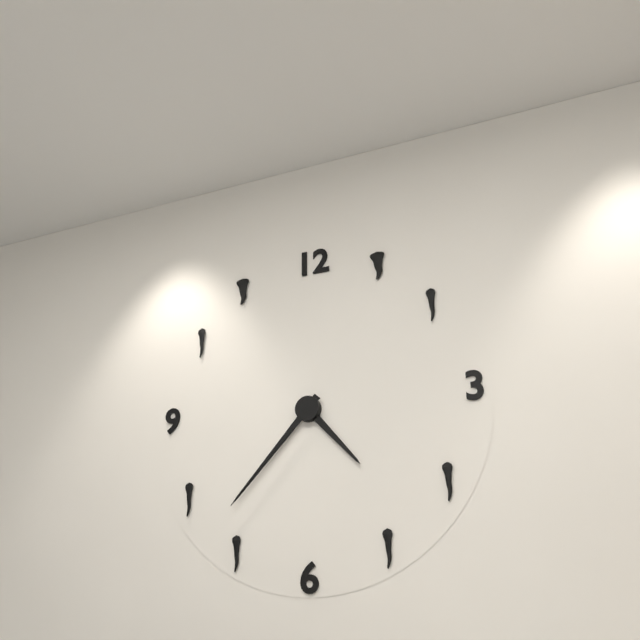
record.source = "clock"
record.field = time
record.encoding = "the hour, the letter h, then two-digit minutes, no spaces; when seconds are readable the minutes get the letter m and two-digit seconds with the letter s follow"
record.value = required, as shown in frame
4h37
